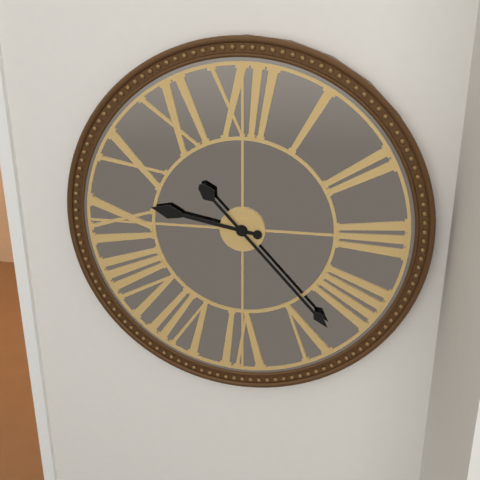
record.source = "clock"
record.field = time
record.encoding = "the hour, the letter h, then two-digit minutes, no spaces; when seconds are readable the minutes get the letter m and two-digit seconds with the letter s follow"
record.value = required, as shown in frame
9h23
